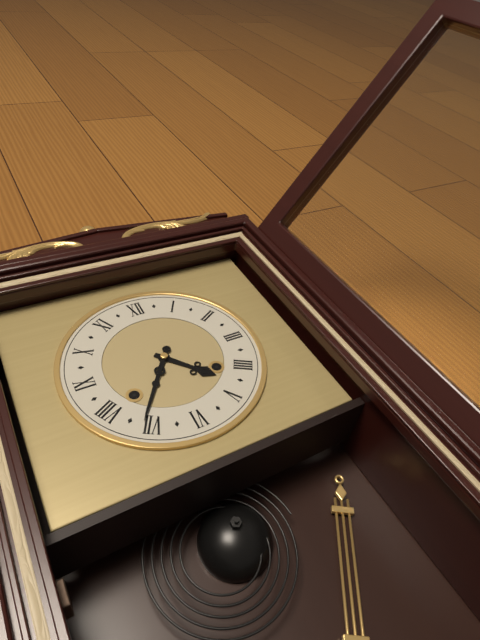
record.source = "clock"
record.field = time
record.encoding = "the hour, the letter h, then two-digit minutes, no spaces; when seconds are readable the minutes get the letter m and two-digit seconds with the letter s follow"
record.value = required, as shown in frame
4h36
